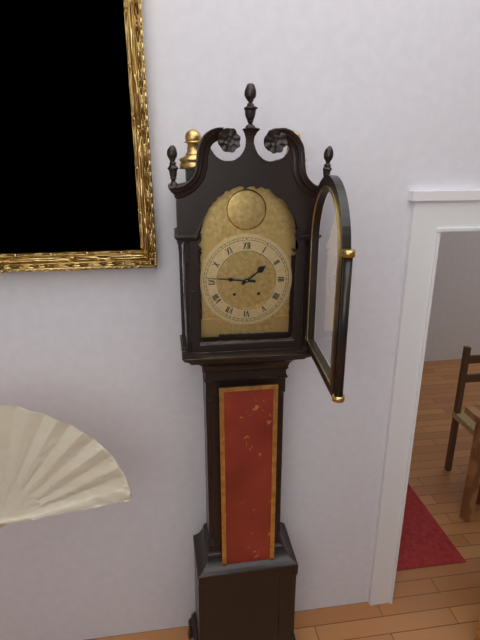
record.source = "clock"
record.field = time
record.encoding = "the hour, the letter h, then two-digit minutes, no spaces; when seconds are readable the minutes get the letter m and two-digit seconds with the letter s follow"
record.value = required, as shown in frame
1h46
